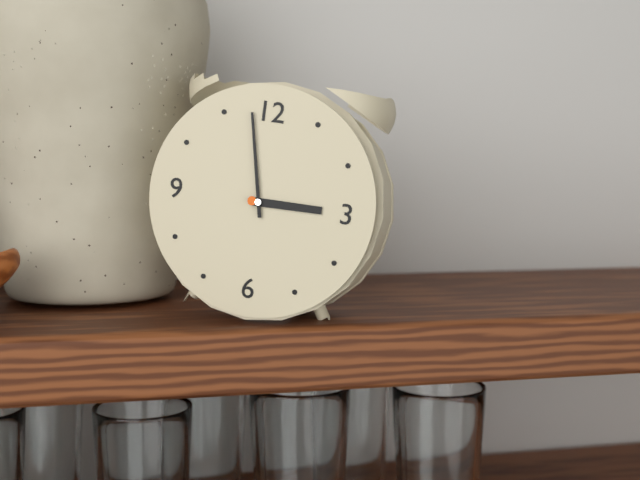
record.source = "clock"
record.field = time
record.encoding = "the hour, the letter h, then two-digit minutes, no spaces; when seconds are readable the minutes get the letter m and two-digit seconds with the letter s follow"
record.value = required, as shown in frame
2h58
